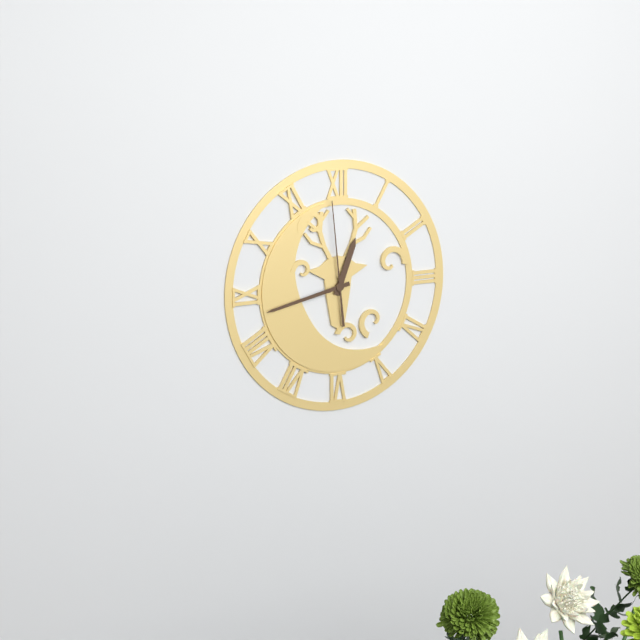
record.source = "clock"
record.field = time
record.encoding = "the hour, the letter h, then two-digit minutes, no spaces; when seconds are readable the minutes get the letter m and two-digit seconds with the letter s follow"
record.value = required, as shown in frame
12h43m59s
